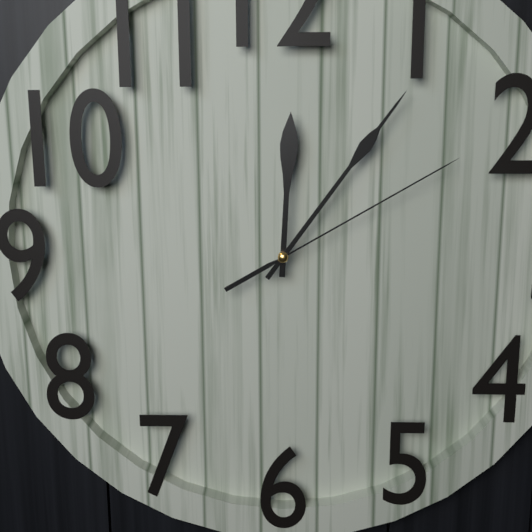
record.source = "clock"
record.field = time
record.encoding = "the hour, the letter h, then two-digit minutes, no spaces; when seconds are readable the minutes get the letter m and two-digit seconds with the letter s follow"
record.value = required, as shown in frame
12h06m10s
